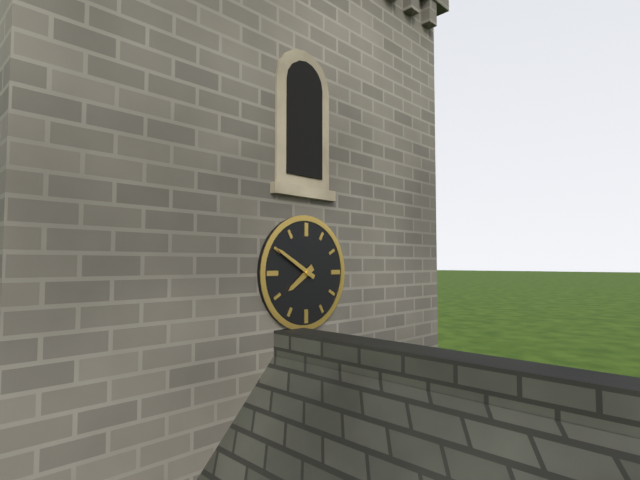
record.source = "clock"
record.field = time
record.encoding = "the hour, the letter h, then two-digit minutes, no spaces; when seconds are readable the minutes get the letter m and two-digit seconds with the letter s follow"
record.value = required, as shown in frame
7h50
